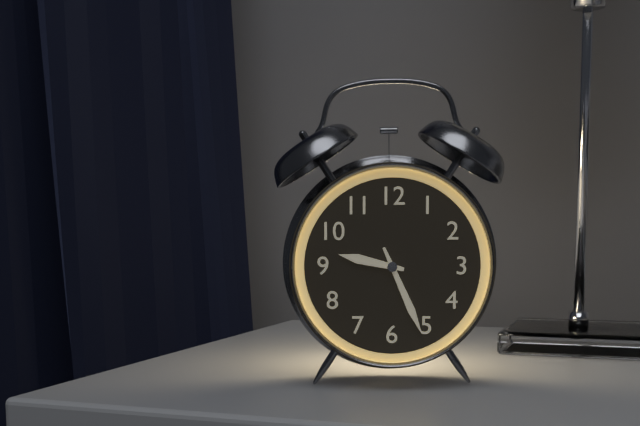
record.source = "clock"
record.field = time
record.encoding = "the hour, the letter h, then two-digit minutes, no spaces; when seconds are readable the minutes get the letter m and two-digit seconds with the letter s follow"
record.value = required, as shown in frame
9h26
